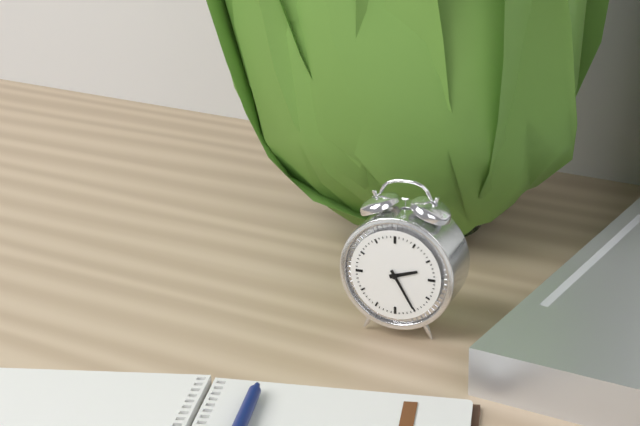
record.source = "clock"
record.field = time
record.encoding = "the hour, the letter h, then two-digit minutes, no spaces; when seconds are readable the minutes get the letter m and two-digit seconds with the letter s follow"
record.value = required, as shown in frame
2h25
